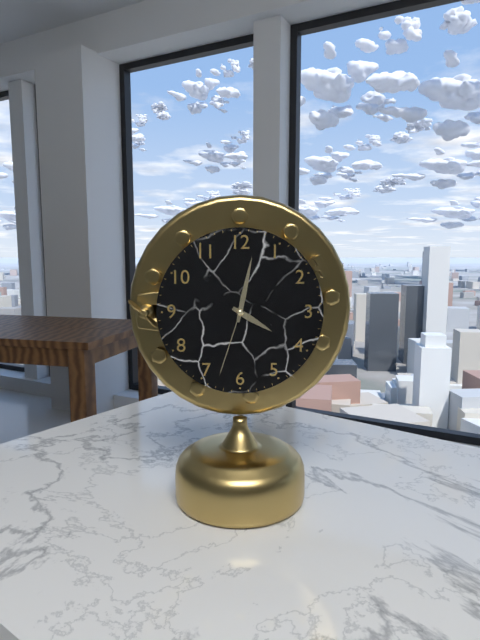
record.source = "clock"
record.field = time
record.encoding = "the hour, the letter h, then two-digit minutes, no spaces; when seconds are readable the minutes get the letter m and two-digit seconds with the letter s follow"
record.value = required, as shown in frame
4h02m33s
